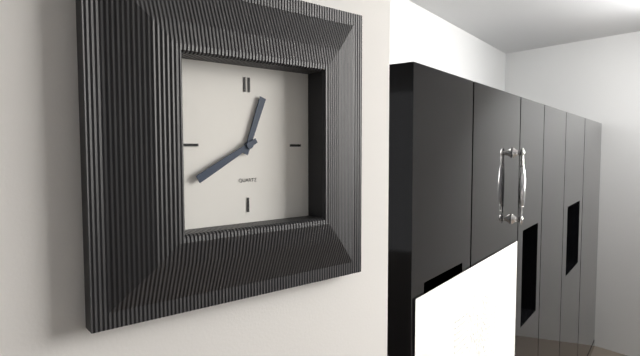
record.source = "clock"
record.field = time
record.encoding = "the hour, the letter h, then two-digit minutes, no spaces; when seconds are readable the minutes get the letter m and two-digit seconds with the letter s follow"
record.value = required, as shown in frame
12h40
